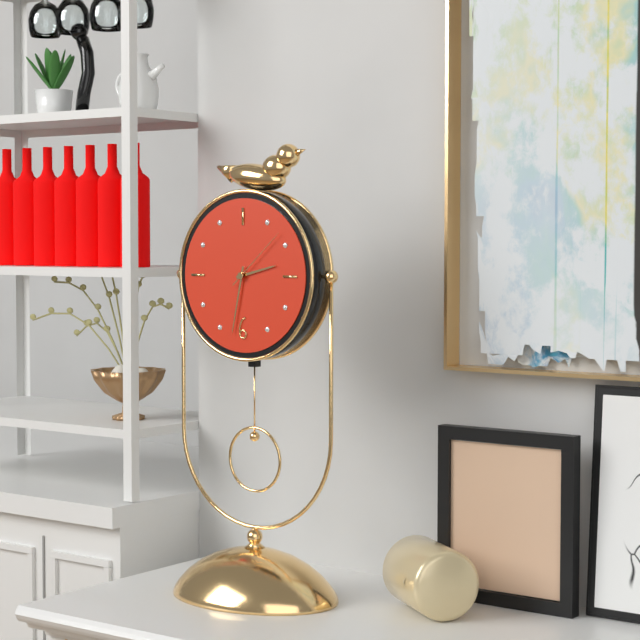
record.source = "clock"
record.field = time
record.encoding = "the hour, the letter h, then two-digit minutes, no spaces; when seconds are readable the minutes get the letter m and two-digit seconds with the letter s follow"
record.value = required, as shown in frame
2h32m08s
